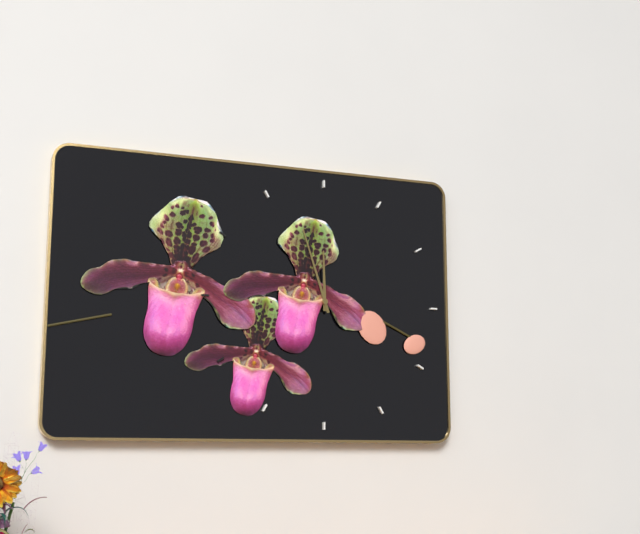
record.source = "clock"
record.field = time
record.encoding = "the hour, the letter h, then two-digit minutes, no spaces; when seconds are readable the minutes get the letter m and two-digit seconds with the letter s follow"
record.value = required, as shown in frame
11h57
